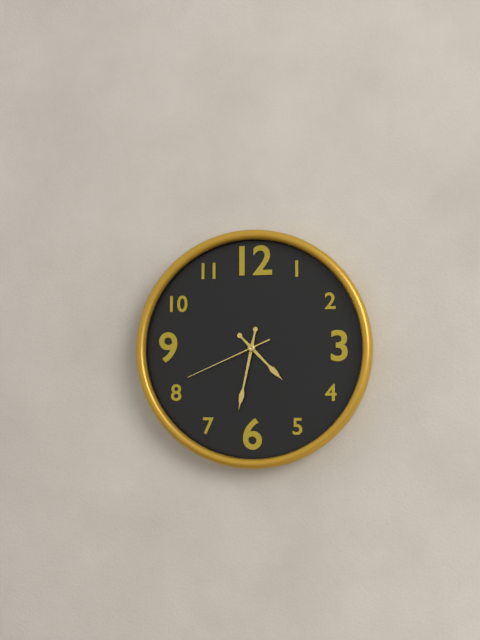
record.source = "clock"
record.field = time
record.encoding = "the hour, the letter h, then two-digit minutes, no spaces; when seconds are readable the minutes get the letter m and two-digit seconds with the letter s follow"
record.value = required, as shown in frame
4h32m41s
